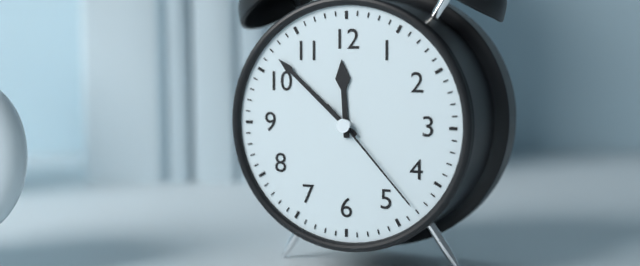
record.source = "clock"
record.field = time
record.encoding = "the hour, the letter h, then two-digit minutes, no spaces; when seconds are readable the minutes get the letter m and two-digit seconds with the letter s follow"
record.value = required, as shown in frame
11h52m23s
